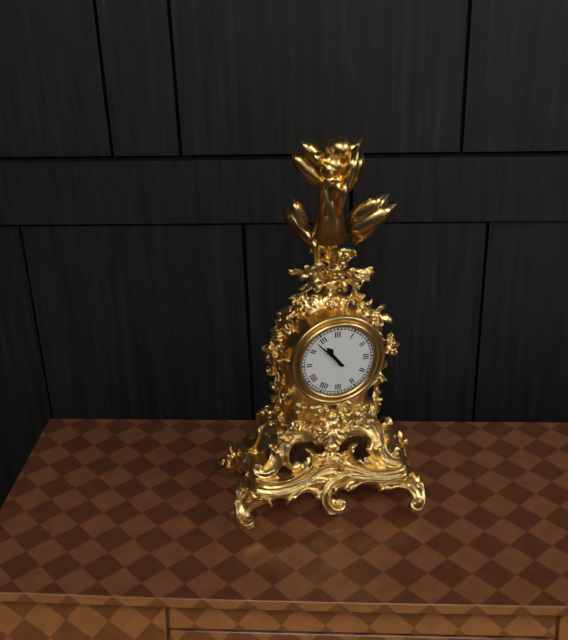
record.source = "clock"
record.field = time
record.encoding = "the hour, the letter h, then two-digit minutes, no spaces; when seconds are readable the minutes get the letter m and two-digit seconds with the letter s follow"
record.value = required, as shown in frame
10h53
